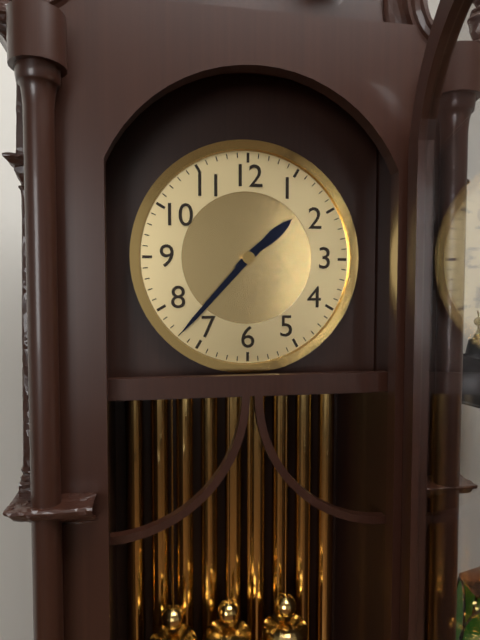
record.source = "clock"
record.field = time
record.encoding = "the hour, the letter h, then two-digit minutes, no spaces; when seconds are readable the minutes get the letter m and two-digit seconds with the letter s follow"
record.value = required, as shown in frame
1h37
